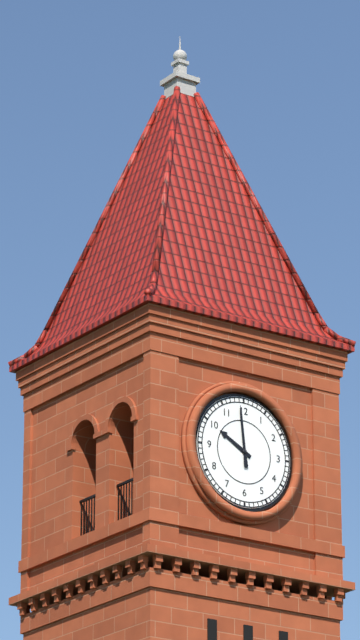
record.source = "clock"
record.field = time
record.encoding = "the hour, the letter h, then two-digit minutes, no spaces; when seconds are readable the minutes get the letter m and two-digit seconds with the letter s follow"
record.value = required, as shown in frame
9h59
